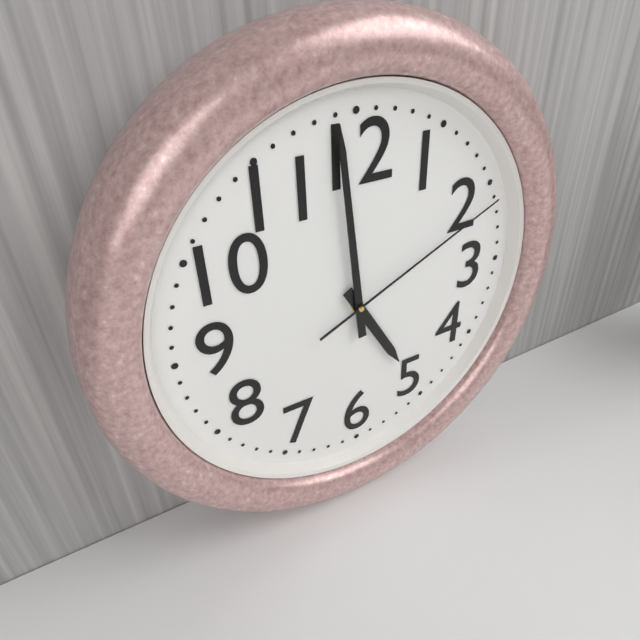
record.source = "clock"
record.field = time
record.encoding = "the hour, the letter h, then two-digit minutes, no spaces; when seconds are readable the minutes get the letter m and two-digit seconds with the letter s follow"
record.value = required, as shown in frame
4h59m11s
